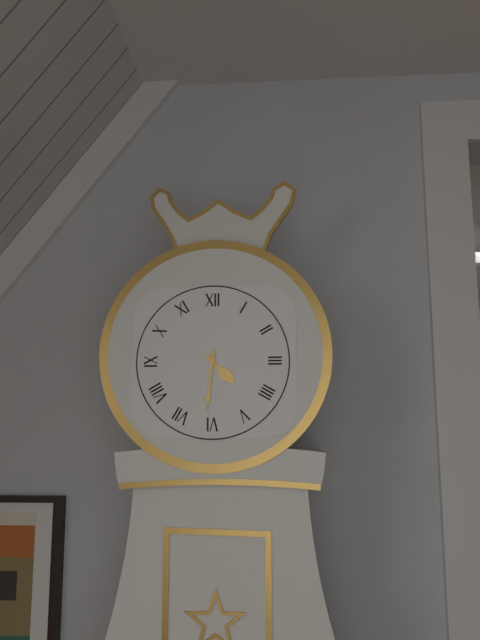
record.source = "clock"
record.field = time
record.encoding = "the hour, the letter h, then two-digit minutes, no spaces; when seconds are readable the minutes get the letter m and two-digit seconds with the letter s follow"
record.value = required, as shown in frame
4h31
